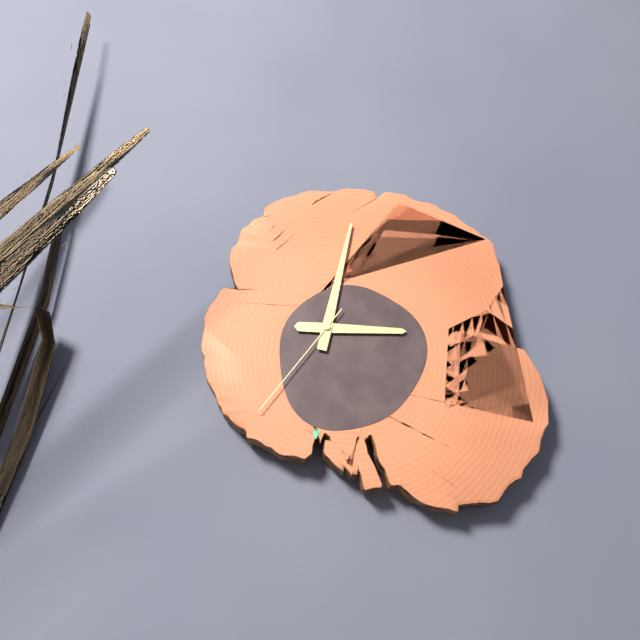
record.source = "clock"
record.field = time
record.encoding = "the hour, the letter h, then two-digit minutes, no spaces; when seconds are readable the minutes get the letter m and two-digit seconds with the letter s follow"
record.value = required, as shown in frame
3h02m36s
